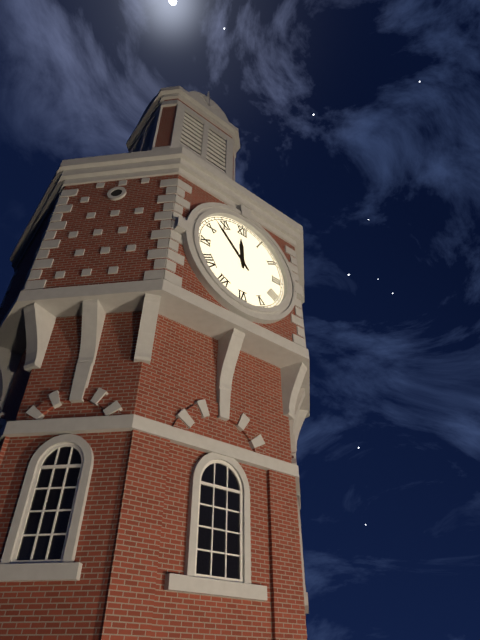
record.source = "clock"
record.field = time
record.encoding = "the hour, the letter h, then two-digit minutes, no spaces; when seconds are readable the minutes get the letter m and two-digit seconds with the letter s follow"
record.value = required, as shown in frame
11h53
